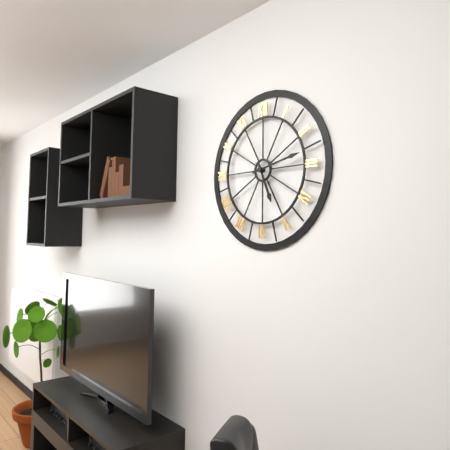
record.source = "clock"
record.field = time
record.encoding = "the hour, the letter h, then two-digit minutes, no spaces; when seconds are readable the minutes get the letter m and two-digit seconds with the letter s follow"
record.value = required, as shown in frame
5h13
